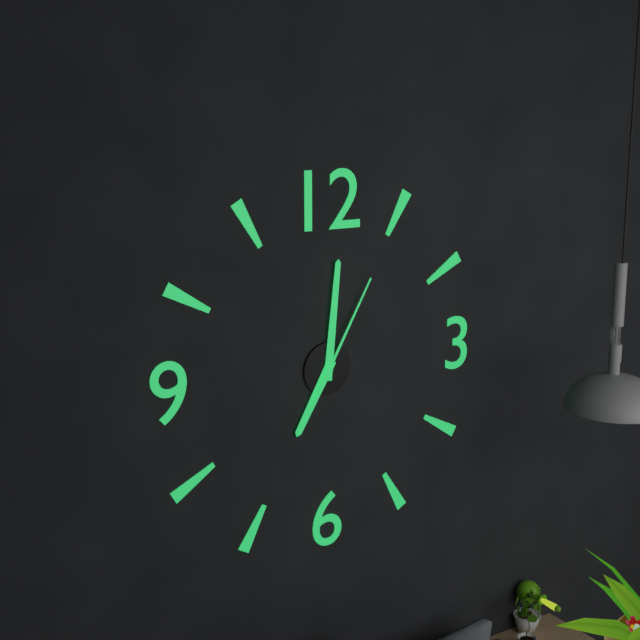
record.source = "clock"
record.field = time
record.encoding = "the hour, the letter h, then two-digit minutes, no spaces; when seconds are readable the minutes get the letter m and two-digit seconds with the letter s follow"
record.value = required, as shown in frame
7h01m05s
